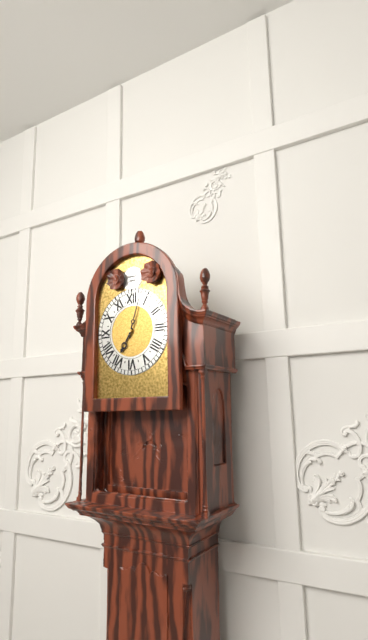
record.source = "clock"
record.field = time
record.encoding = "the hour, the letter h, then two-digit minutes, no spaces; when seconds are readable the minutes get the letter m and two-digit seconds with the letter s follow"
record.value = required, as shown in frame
7h03
